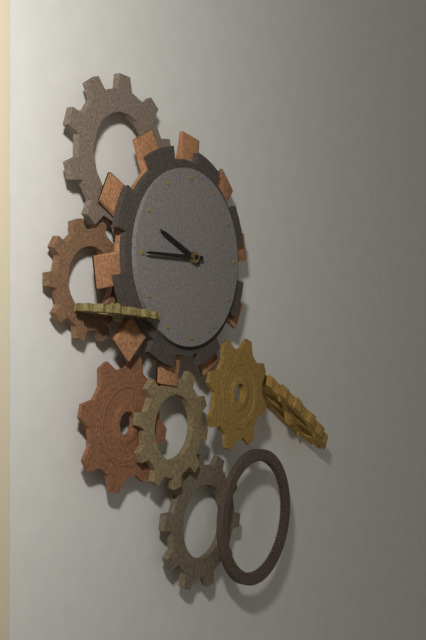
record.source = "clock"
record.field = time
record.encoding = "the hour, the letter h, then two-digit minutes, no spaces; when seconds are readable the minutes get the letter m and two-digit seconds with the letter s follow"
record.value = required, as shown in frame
9h45
